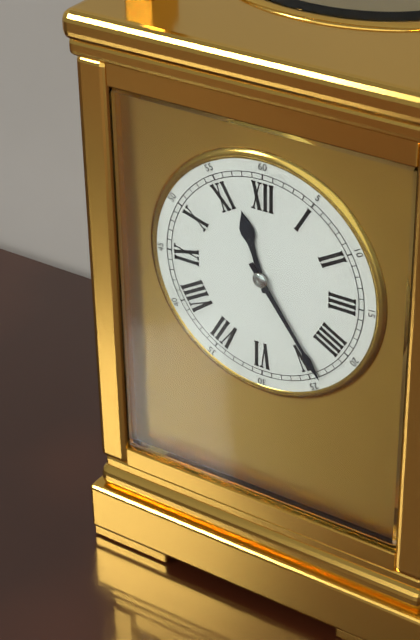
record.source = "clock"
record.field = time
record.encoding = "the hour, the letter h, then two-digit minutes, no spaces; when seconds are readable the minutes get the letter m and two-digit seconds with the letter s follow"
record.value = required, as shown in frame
11h24
